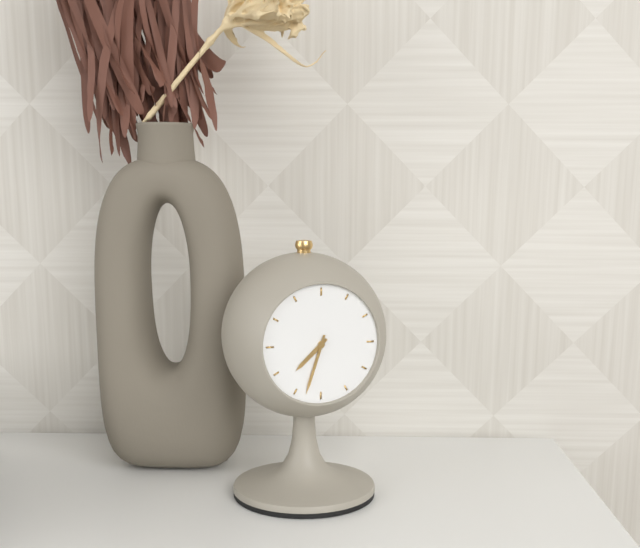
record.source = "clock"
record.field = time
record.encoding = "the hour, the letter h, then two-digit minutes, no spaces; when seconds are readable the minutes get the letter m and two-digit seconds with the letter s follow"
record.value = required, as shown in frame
7h33
